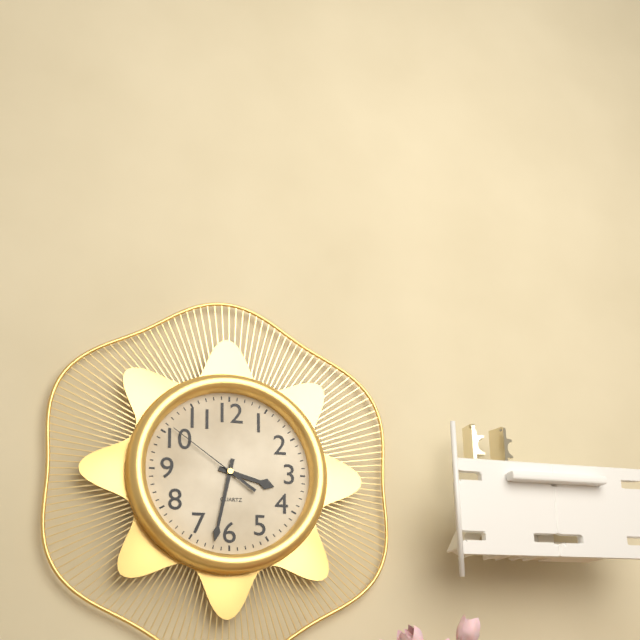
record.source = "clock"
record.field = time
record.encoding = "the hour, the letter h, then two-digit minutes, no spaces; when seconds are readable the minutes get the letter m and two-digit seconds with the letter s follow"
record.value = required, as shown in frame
3h32m51s
